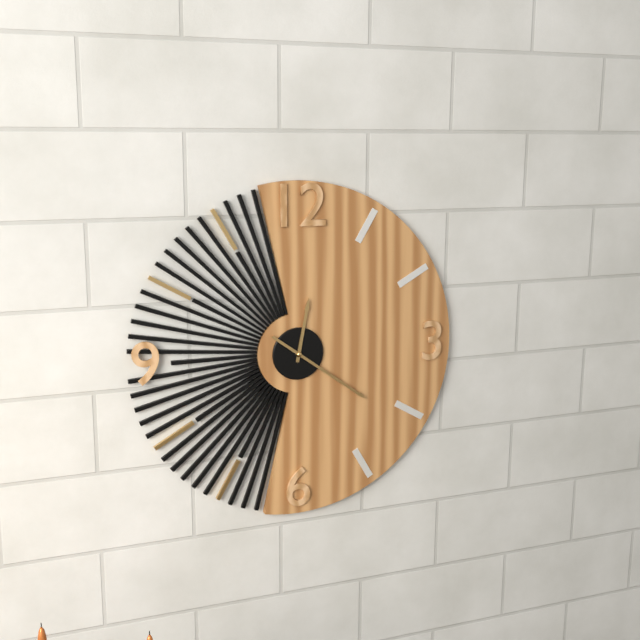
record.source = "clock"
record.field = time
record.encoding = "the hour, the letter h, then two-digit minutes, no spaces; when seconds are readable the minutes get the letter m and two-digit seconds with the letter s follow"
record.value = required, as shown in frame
12h21
